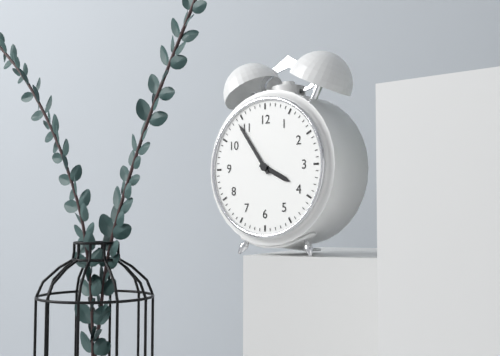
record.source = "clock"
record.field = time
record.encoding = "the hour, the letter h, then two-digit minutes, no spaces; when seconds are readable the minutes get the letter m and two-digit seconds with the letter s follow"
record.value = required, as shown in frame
3h54
